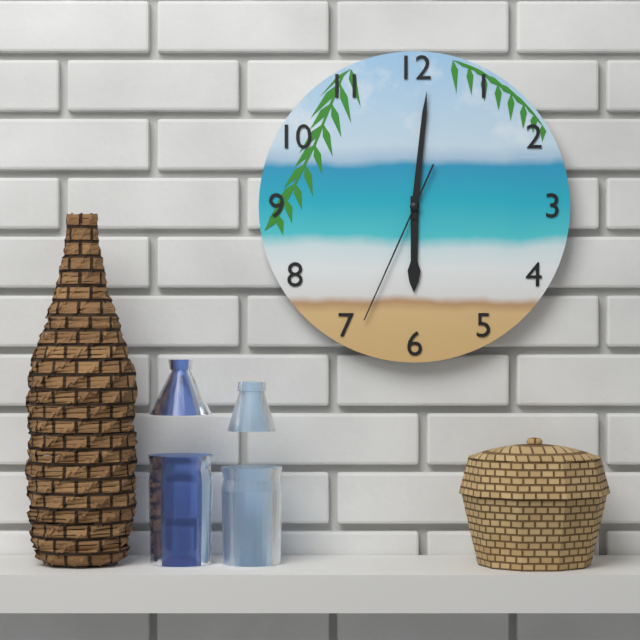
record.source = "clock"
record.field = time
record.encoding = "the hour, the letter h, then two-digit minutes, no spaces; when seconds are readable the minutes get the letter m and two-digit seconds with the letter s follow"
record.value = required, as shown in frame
6h01m34s
